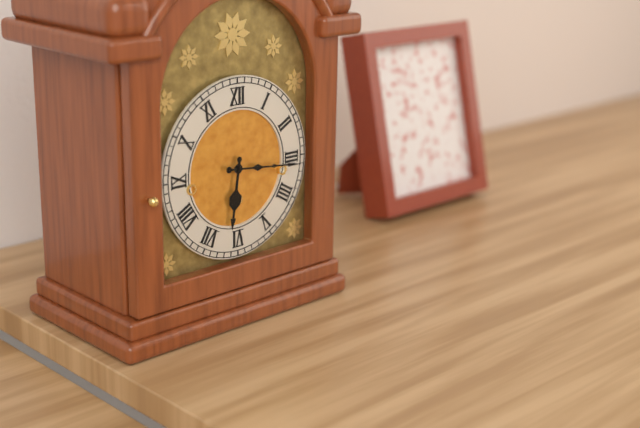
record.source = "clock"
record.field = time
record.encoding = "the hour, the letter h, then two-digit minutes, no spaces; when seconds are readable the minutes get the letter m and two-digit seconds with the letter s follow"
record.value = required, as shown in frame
6h16
